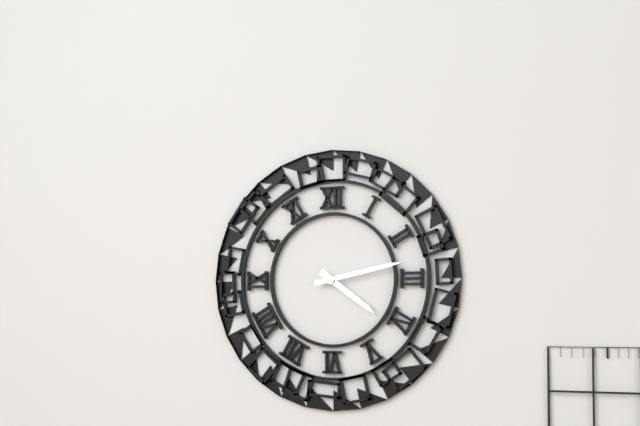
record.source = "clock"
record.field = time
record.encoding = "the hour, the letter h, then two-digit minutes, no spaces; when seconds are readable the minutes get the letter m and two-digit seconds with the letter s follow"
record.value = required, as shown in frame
4h13
